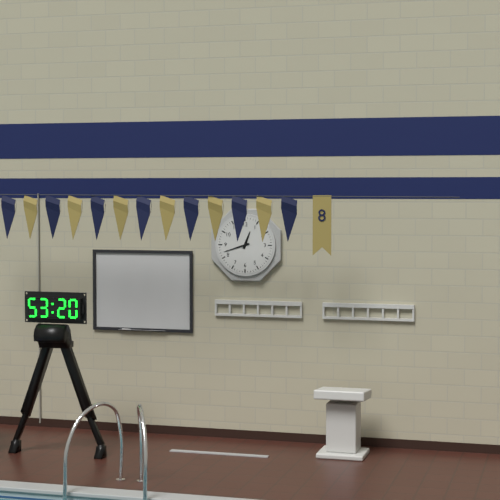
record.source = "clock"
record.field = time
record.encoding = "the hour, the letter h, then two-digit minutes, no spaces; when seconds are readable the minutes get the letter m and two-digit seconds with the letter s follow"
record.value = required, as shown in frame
12h42
